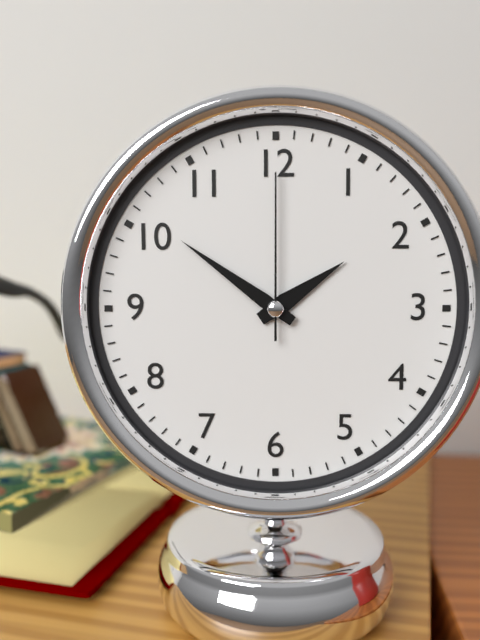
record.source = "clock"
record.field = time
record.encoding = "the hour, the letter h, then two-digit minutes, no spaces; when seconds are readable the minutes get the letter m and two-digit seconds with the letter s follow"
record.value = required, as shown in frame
1h51m00s
